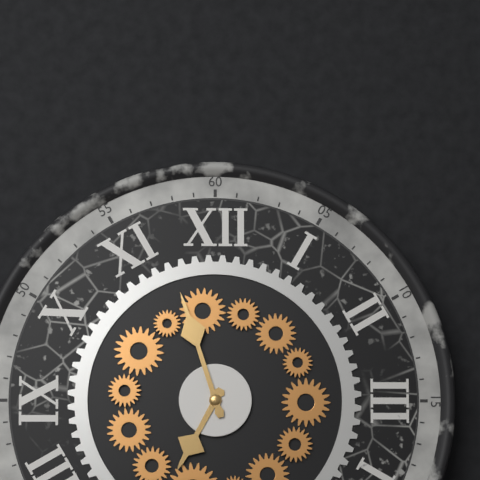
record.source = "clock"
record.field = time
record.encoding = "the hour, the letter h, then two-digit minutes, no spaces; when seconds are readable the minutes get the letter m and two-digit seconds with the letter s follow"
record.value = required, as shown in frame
6h57
